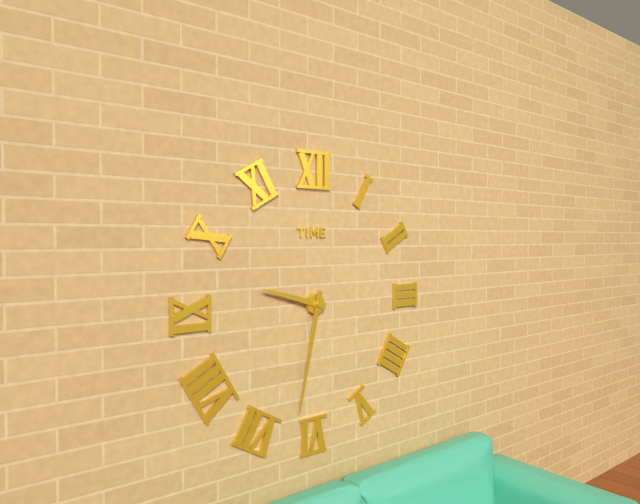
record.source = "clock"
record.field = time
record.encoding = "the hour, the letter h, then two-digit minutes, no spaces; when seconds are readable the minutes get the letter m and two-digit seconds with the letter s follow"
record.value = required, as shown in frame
9h32
